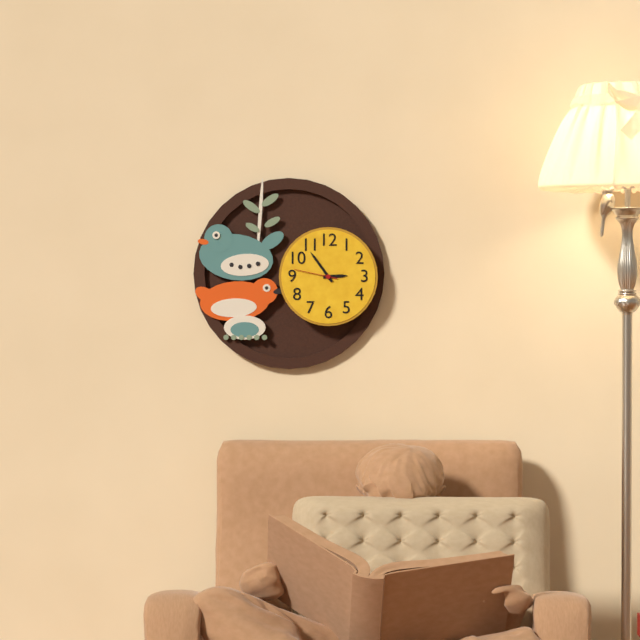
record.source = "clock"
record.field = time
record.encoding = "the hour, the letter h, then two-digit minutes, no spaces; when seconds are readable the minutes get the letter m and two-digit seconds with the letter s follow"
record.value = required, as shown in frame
2h54
